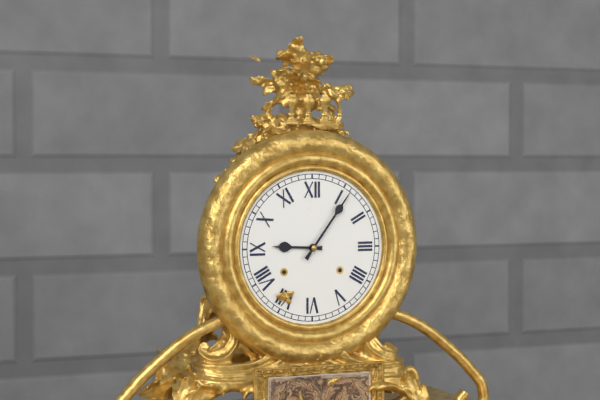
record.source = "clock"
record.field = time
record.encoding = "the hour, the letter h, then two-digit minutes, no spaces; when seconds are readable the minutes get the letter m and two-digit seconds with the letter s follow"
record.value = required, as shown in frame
9h06
